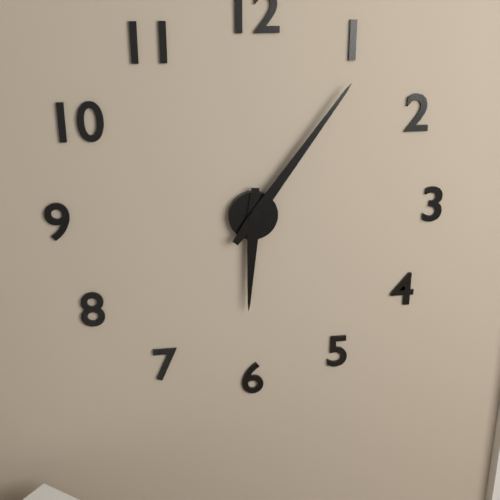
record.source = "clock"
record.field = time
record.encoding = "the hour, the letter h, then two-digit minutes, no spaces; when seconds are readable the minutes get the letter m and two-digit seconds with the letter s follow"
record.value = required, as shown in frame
6h06
